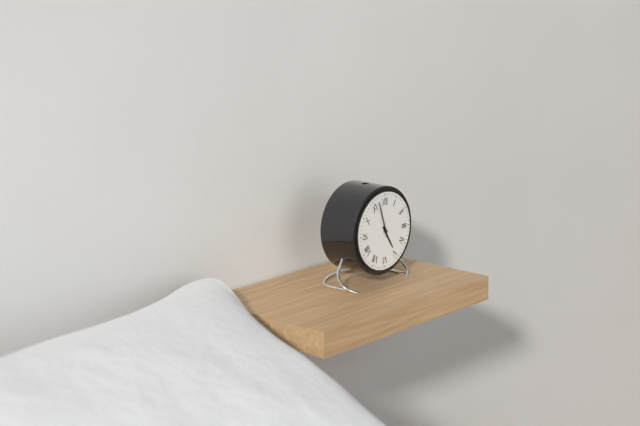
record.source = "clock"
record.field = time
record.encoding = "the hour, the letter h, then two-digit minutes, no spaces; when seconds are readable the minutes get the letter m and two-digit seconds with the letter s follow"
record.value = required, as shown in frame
4h57
